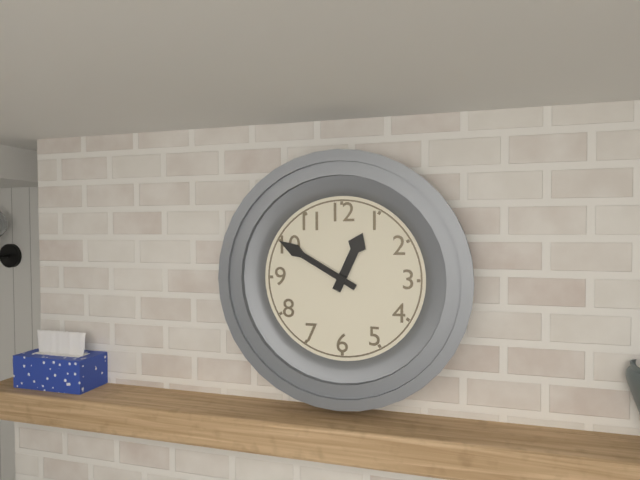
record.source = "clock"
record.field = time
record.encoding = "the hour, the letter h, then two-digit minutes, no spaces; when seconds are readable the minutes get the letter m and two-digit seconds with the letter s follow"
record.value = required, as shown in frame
12h50
